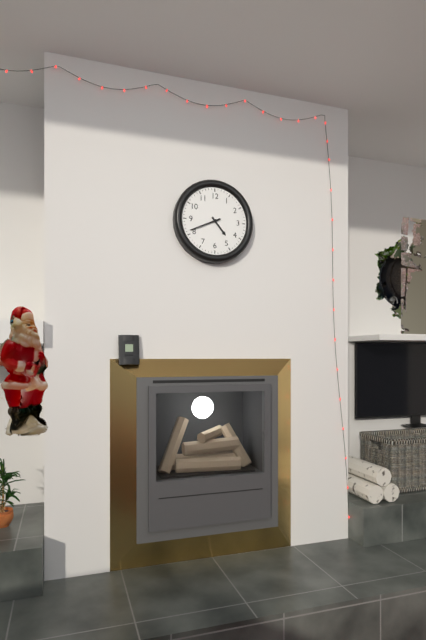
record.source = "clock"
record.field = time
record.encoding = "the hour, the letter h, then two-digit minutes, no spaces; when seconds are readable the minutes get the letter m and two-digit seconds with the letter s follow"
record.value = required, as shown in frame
4h41
